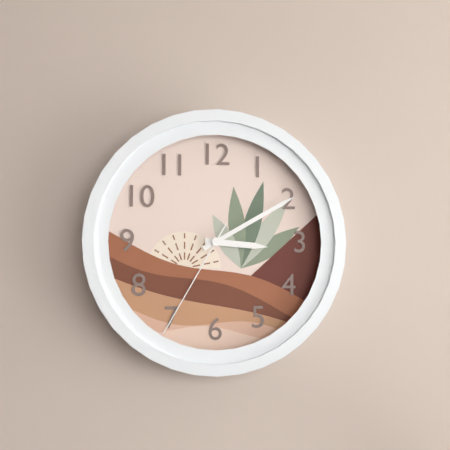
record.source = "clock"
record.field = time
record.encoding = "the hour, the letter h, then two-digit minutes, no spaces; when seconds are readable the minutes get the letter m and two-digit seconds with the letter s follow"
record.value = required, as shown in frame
3h10m35s
